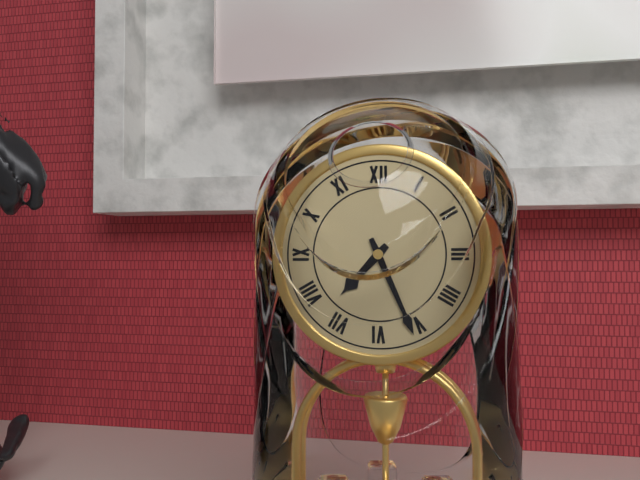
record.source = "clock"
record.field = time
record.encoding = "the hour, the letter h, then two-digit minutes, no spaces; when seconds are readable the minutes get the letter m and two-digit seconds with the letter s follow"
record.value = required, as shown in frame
7h26
